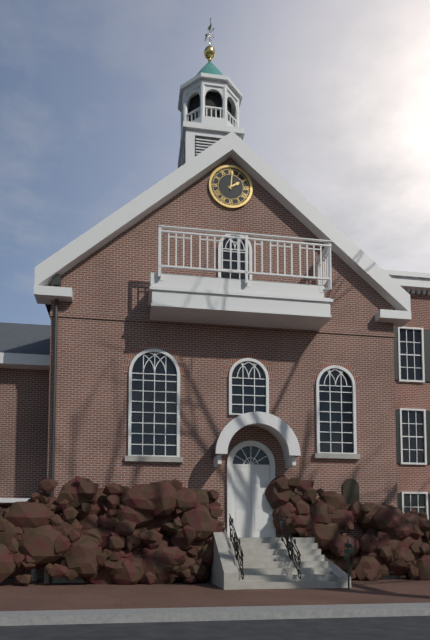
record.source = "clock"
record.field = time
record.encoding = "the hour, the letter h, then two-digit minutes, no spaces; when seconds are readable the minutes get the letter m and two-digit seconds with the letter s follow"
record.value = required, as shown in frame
2h01
